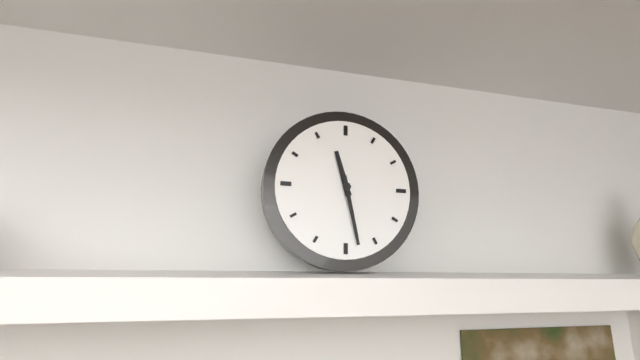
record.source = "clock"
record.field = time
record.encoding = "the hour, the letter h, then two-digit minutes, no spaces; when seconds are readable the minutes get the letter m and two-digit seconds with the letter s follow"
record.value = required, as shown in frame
11h28
